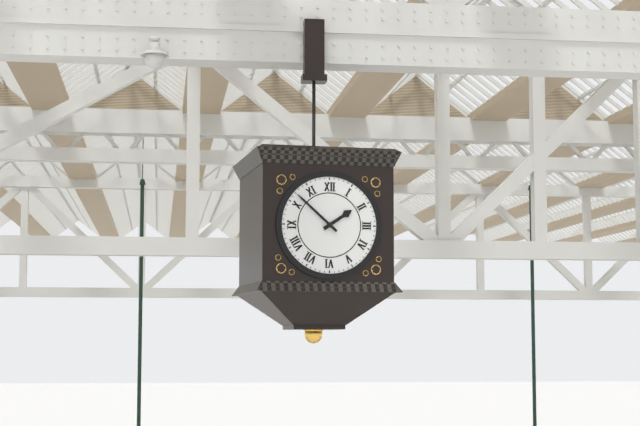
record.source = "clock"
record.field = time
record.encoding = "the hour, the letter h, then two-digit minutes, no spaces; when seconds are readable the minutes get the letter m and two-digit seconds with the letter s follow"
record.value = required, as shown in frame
1h52
